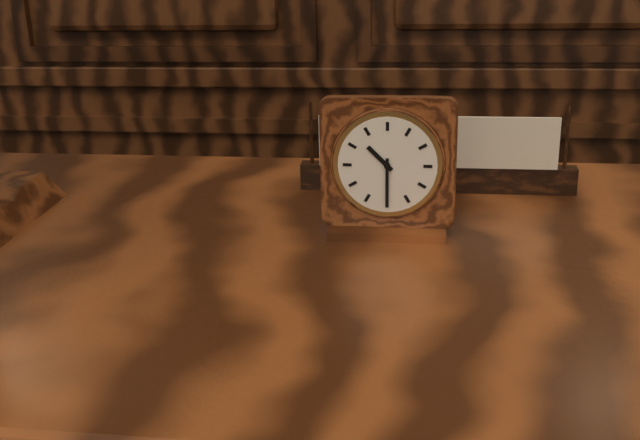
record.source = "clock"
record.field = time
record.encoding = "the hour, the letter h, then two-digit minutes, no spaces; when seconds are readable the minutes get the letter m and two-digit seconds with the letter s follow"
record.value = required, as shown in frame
10h30
